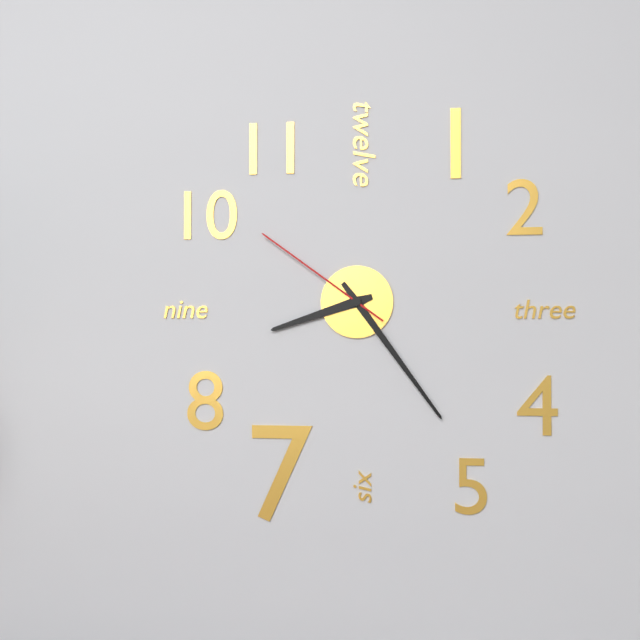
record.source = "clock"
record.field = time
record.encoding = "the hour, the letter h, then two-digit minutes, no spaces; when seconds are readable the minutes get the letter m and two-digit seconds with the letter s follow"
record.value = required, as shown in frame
8h24m51s
